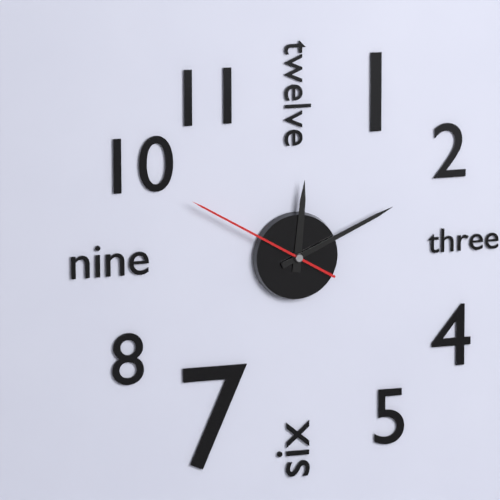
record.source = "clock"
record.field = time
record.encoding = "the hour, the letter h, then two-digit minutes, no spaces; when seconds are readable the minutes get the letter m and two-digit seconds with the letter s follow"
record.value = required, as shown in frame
12h11m50s
